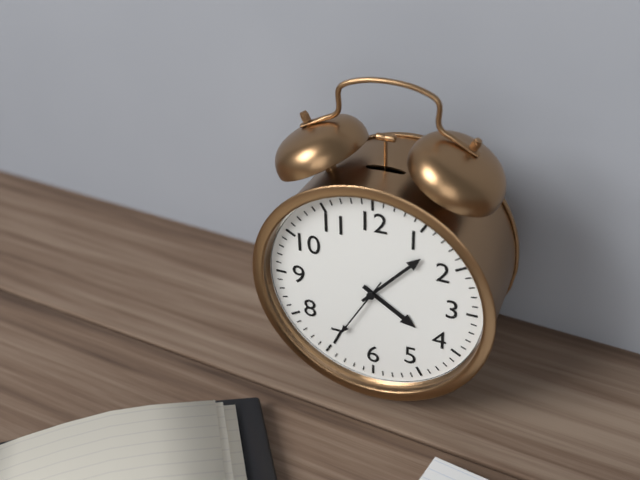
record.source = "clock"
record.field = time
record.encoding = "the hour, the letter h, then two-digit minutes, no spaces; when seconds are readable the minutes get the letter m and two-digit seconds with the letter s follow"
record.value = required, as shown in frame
4h07m35s
